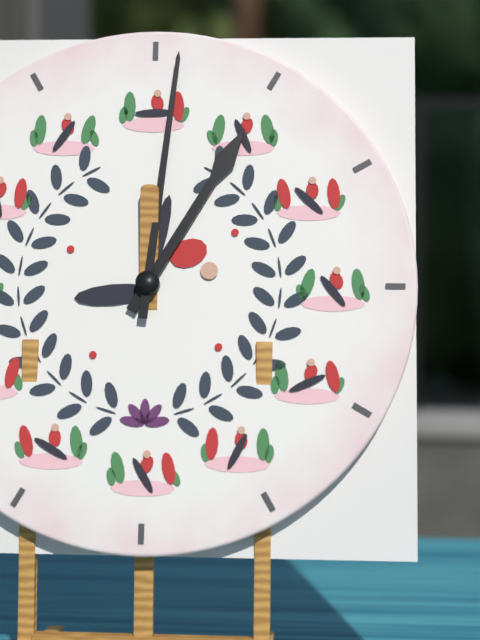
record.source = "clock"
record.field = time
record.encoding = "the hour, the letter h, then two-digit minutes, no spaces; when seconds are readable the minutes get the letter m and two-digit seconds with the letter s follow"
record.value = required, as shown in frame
1h01
